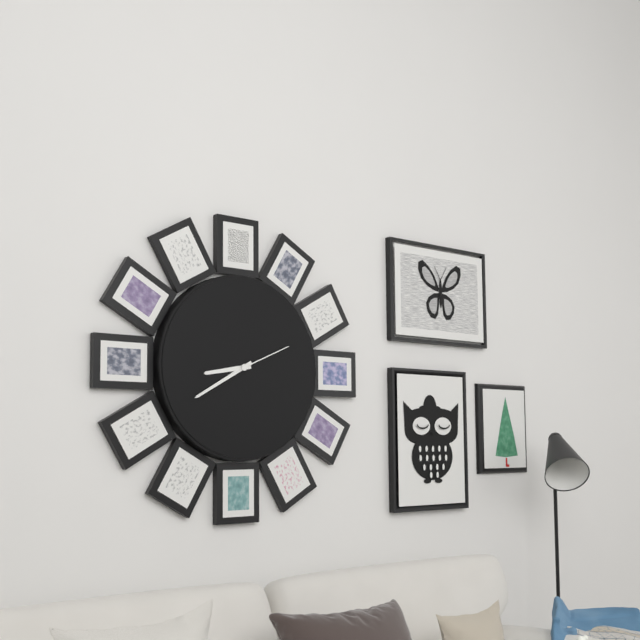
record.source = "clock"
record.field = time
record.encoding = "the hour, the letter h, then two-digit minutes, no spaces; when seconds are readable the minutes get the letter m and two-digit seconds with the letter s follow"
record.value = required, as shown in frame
8h40m11s
